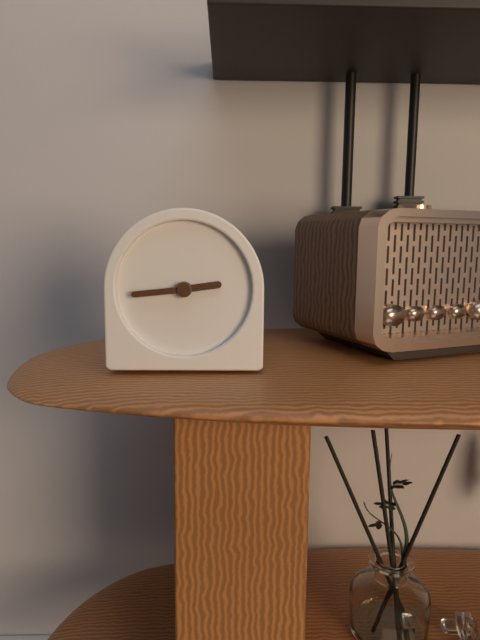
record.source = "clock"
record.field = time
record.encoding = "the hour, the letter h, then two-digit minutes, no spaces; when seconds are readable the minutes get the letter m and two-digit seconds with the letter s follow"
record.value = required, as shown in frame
2h44
